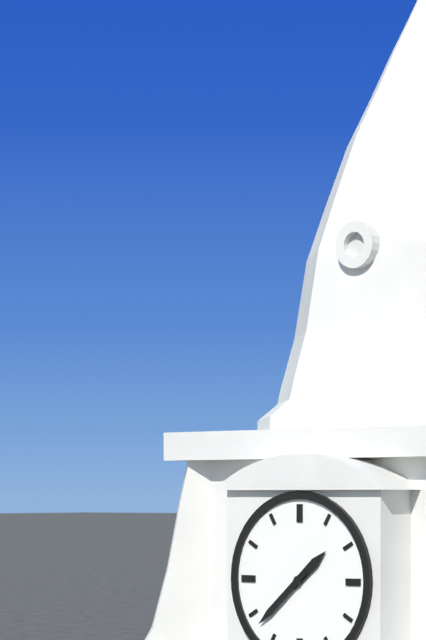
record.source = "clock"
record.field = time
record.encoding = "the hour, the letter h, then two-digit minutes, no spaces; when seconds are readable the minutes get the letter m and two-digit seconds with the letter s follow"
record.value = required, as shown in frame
1h38
